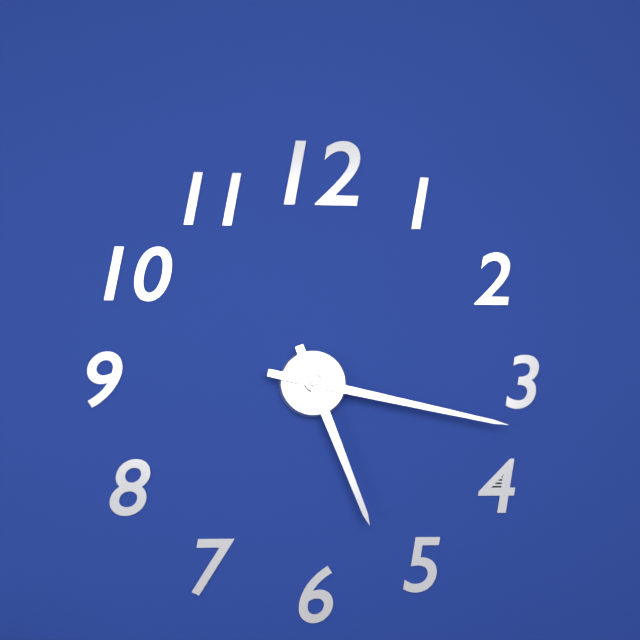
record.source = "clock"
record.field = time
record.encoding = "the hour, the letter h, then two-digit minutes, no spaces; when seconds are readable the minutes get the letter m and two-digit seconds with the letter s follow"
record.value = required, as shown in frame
5h17
